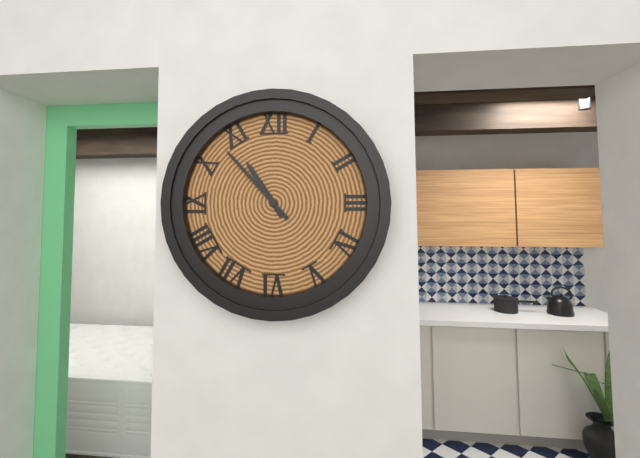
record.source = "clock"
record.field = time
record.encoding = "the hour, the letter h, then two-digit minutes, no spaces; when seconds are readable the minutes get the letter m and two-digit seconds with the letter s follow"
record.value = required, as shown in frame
10h53
